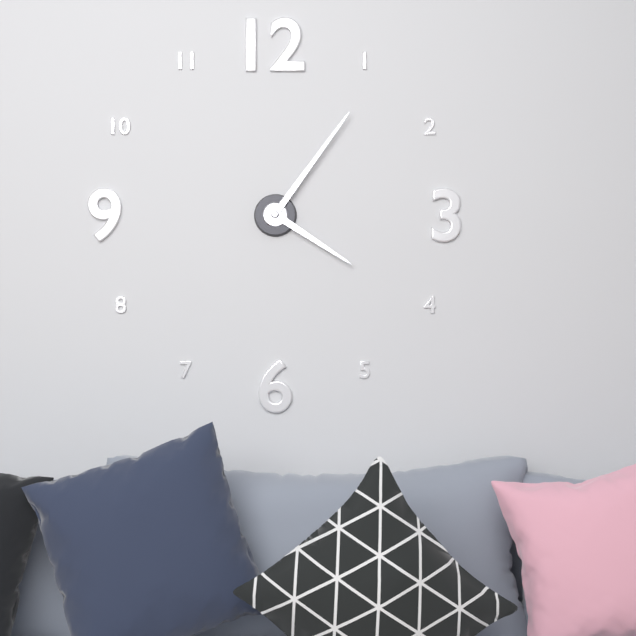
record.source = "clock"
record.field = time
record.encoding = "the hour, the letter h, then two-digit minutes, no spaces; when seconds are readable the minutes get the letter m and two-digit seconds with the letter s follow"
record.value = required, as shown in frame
4h06
